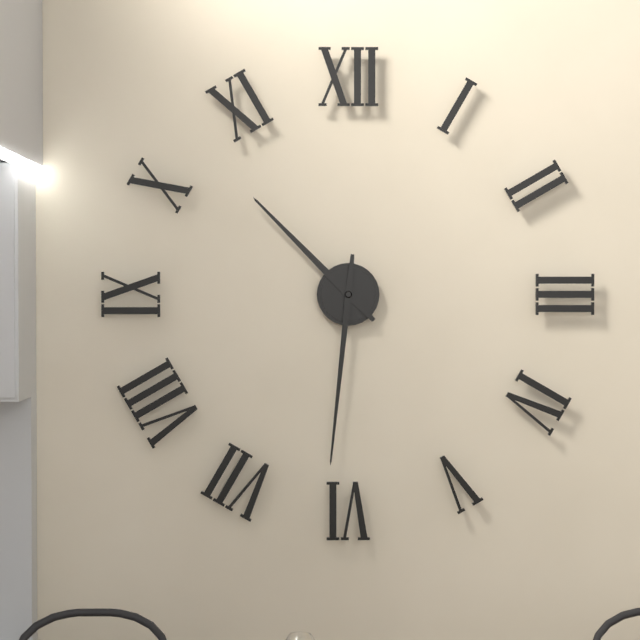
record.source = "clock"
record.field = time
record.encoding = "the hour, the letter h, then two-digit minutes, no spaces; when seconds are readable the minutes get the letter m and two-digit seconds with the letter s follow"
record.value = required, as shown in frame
10h31
